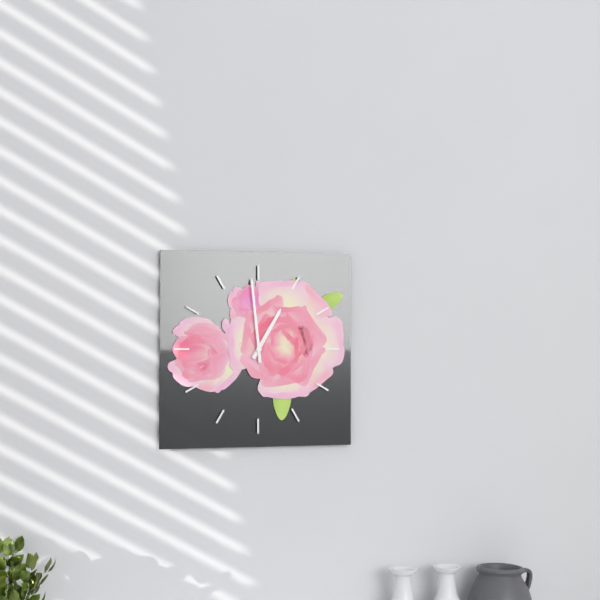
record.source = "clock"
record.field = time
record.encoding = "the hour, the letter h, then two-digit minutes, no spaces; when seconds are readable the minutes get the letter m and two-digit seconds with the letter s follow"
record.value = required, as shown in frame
12h59
